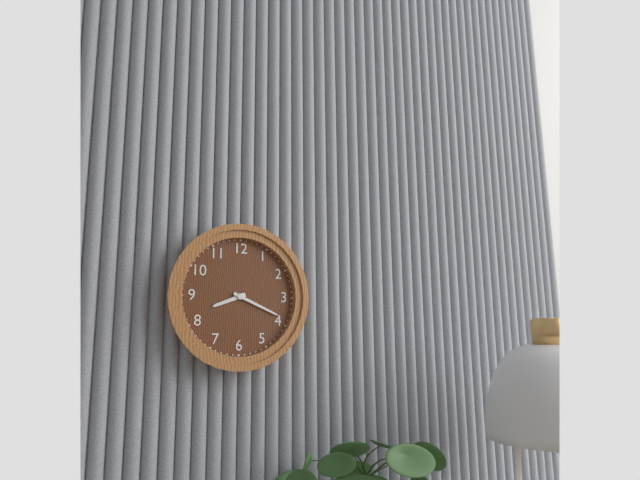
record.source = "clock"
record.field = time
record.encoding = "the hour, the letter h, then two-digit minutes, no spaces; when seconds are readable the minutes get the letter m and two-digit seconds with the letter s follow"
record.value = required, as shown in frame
8h19
